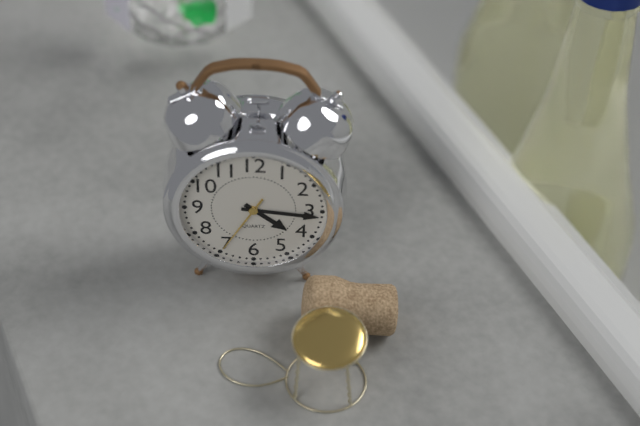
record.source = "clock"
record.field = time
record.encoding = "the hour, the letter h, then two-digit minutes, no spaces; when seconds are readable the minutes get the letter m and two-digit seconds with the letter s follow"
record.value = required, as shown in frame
4h16m35s
